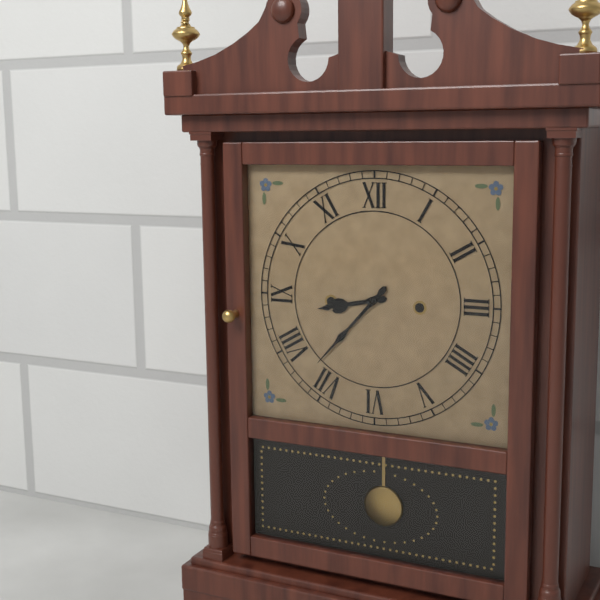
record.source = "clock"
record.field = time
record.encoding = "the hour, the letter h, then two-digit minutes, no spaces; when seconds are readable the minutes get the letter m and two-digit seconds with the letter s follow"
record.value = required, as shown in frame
8h37
